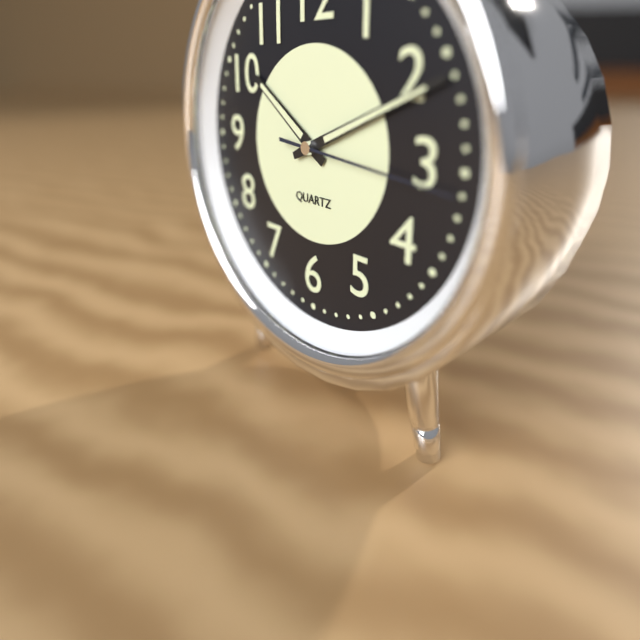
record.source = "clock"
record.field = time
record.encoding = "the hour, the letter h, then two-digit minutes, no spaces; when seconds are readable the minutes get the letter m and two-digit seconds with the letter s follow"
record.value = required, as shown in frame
10h11m16s
